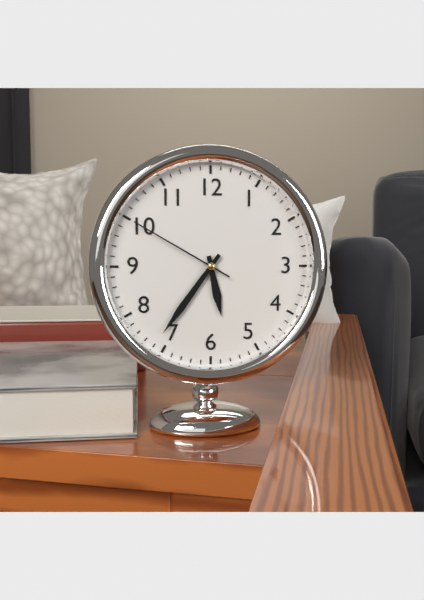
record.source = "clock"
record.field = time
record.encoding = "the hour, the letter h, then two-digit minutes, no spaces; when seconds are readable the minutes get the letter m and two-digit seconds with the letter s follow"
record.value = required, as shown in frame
5h36m50s
